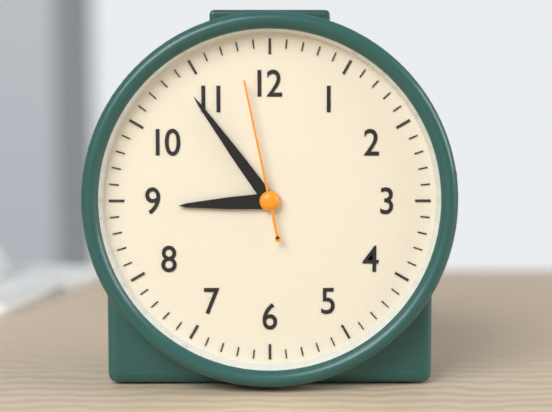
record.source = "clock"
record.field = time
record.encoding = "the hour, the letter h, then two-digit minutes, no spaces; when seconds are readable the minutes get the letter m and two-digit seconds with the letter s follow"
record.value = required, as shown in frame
8h54m58s
